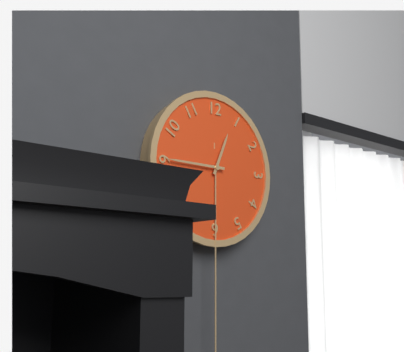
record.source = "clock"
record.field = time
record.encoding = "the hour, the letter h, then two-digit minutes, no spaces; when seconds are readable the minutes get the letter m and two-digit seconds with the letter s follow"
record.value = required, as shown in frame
12h45
